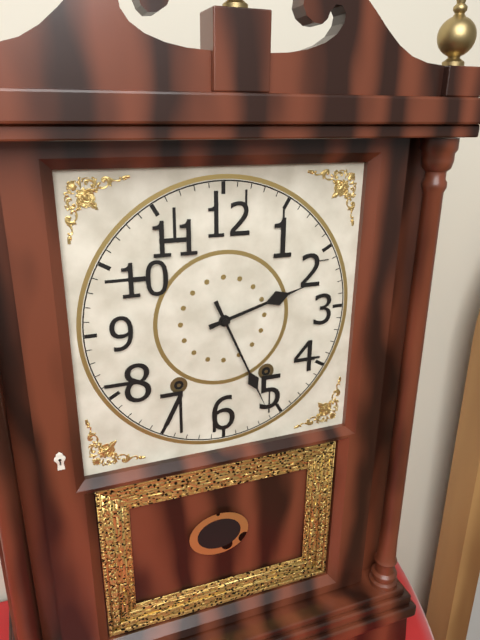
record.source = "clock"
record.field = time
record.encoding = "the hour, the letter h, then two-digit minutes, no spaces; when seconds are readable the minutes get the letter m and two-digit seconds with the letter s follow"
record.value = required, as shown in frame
2h26
